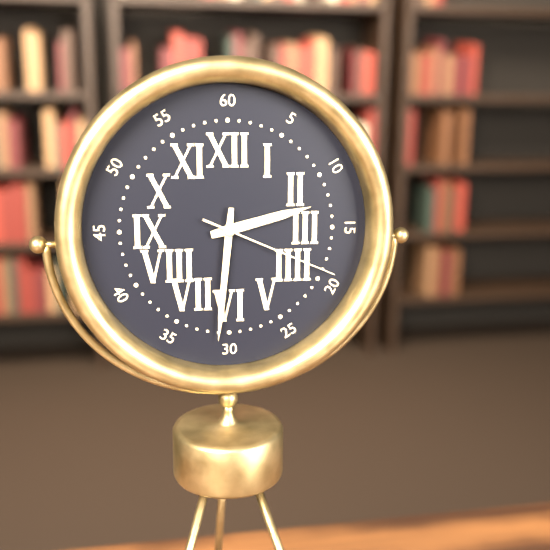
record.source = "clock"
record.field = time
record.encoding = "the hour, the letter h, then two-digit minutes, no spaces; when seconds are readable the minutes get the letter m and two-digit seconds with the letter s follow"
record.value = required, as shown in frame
2h31m19s
